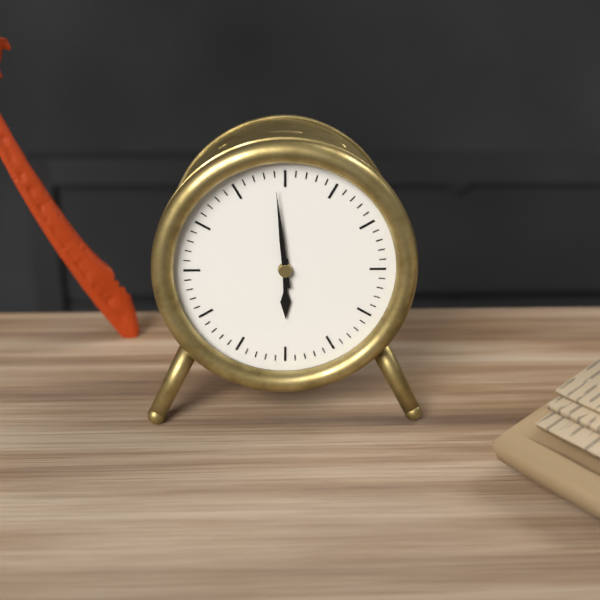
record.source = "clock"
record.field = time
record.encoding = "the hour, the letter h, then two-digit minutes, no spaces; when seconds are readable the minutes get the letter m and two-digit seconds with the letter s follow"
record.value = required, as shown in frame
5h59
